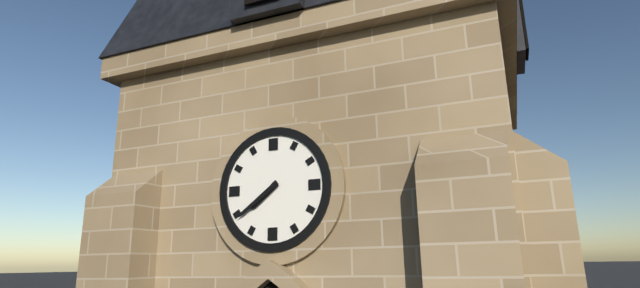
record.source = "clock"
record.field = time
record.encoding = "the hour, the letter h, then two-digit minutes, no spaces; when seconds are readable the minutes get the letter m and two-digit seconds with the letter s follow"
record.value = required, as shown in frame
7h39
